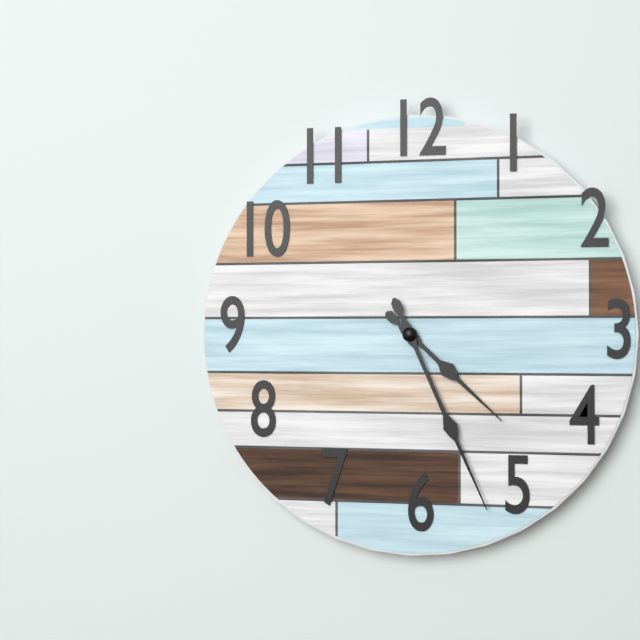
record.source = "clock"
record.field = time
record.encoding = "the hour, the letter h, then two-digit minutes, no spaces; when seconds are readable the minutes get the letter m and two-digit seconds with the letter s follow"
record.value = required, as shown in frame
4h26
